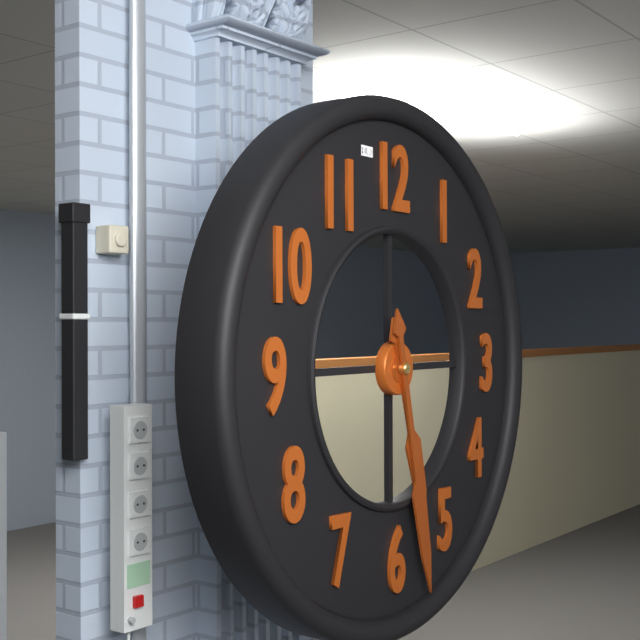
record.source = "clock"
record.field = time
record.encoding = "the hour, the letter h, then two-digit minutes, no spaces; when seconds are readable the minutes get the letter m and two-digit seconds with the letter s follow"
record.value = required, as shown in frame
5h28
